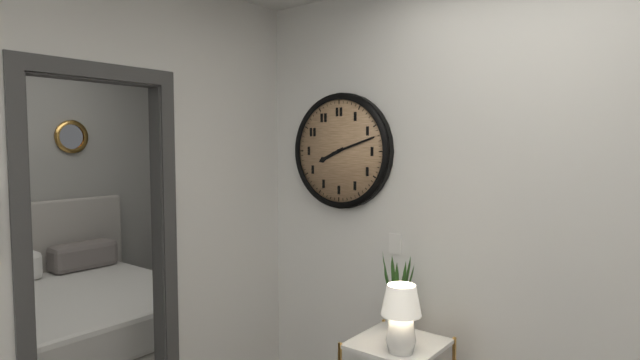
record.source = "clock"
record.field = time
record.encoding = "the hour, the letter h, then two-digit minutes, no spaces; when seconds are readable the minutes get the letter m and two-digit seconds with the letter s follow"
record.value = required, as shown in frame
8h12
